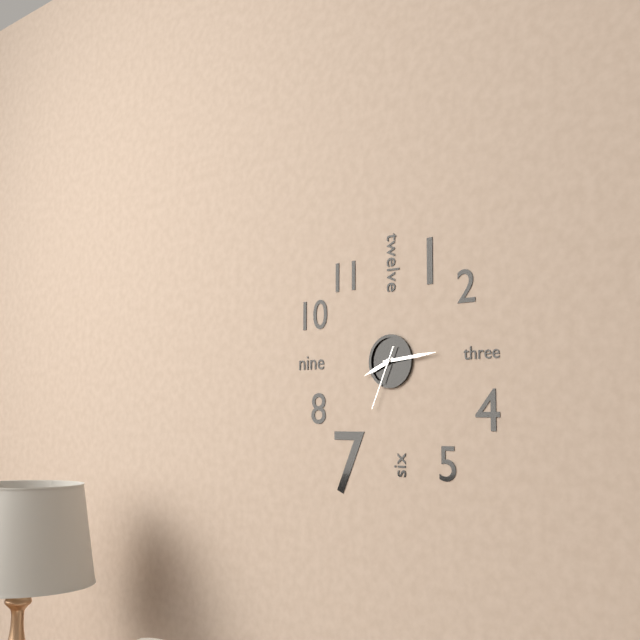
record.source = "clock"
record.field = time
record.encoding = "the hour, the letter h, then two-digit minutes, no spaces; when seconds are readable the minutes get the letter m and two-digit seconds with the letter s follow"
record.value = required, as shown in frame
8h14m34s
